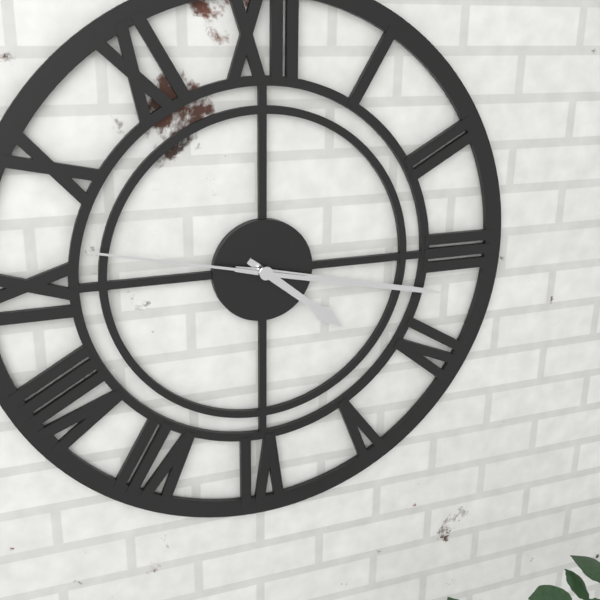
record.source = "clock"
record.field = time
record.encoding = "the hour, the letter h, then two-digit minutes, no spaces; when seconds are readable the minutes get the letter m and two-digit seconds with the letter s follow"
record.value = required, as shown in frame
4h17m47s
